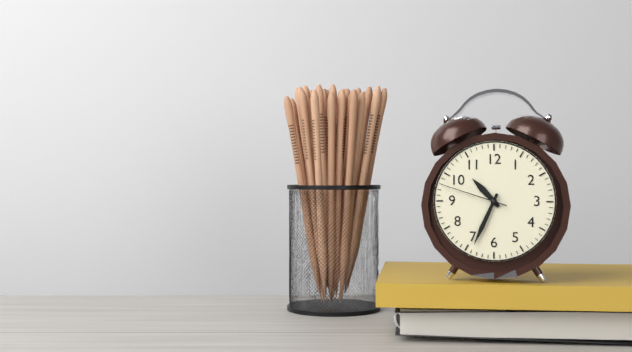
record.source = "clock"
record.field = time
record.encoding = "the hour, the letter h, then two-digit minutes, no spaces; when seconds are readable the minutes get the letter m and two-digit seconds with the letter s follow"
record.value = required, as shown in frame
10h34m48s
